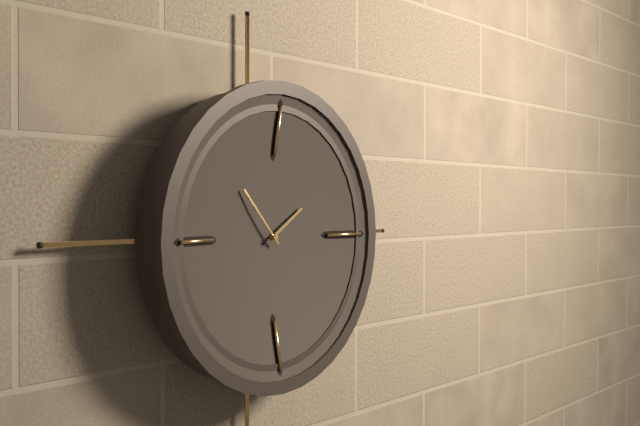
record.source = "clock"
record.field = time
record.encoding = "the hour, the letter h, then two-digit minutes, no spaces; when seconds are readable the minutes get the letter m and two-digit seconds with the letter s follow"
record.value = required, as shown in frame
1h53
